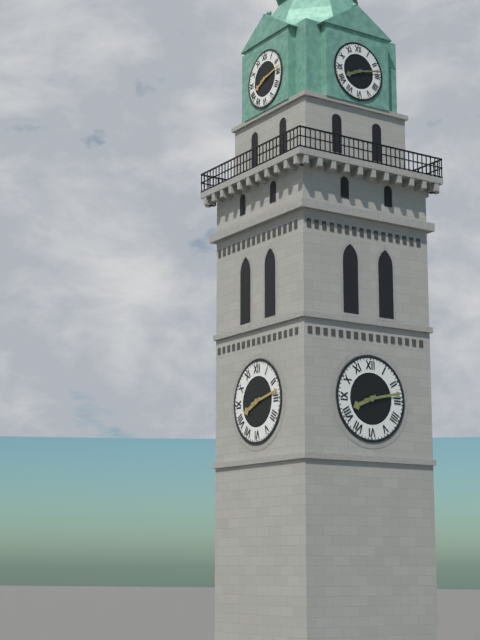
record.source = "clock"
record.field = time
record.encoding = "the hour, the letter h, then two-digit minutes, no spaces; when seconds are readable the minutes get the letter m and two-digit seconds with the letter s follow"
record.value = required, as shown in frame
8h13
